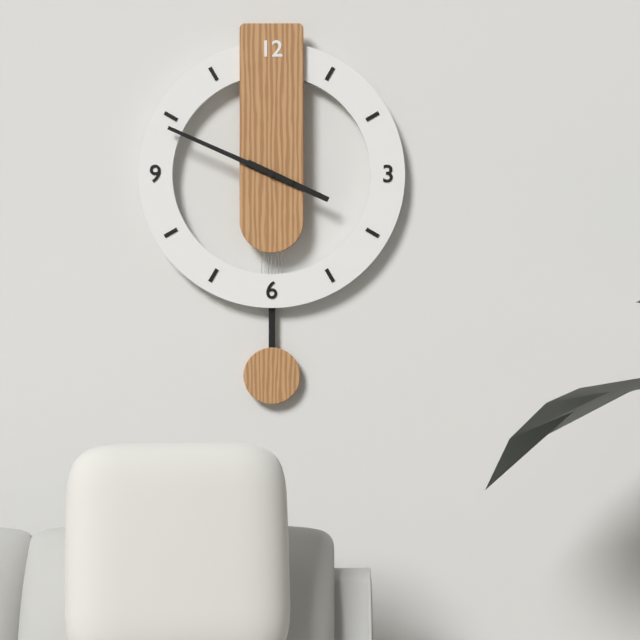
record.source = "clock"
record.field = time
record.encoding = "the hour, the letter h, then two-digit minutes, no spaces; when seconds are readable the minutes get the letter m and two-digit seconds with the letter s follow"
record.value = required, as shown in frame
3h49
